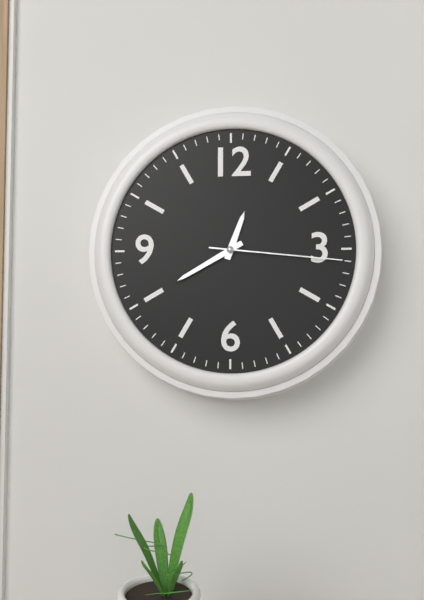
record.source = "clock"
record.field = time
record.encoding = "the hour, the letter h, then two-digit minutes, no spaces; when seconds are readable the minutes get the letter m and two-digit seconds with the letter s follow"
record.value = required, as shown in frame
12h40m16s
